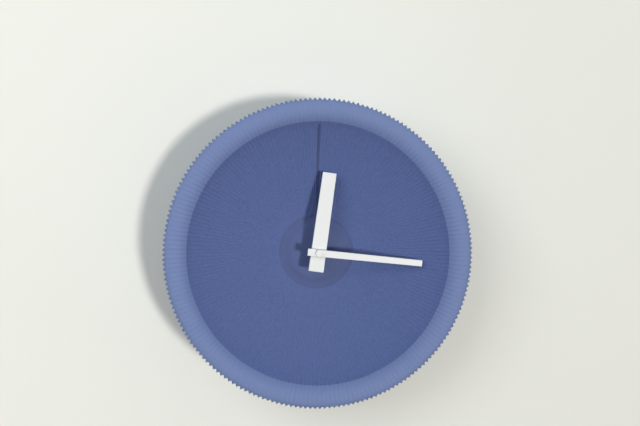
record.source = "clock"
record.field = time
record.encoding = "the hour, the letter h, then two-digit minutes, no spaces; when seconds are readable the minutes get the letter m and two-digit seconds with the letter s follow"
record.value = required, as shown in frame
12h16
